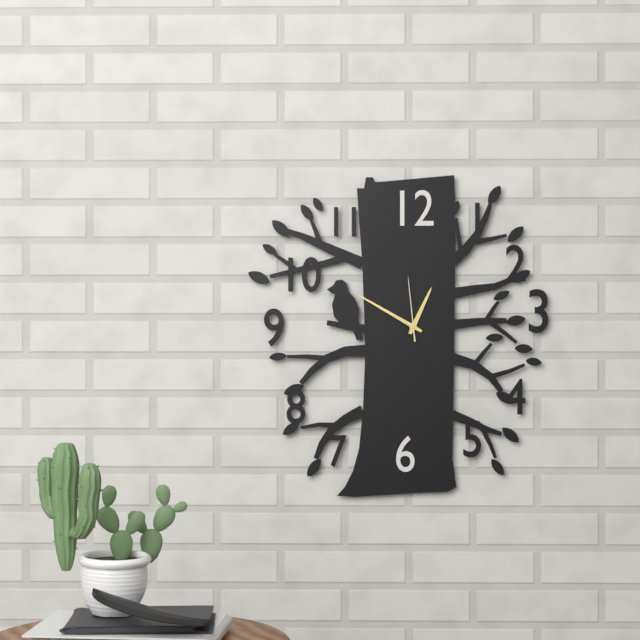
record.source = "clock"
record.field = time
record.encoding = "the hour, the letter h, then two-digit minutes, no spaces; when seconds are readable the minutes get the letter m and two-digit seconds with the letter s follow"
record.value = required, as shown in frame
12h50m59s
